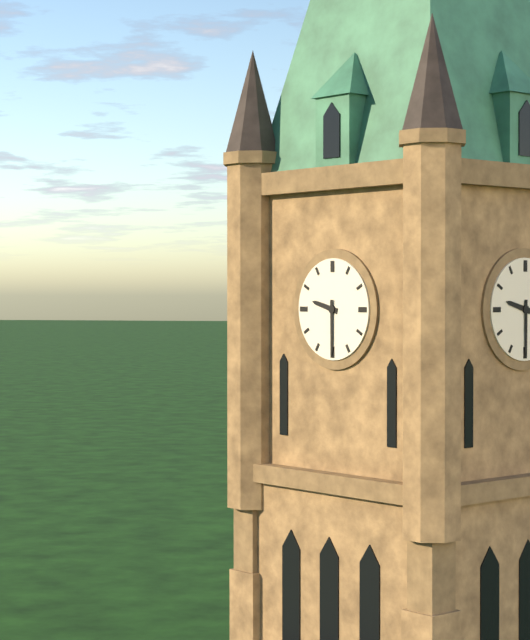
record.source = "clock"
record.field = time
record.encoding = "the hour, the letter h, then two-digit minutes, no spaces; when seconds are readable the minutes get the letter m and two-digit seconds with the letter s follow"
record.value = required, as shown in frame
9h30
